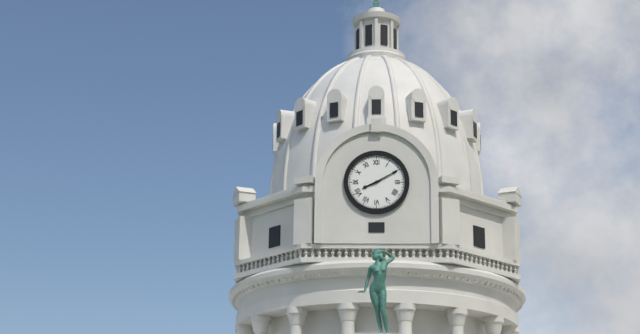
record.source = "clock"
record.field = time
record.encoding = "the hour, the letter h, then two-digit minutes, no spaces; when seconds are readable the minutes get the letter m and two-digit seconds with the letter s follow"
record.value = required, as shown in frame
8h10
